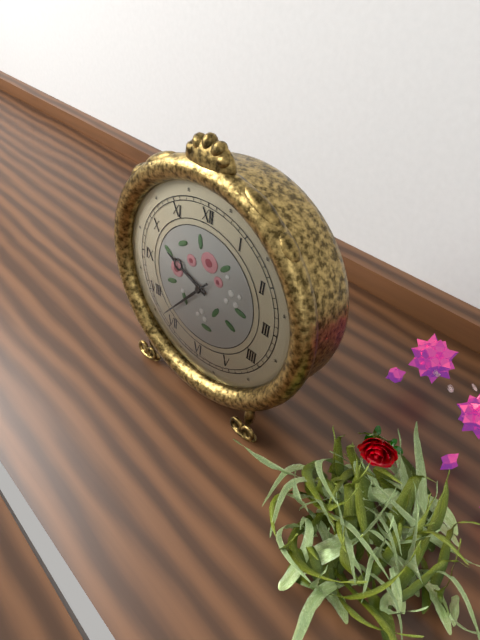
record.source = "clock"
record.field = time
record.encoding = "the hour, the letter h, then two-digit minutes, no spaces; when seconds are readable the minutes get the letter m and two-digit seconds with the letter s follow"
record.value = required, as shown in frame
9h37
